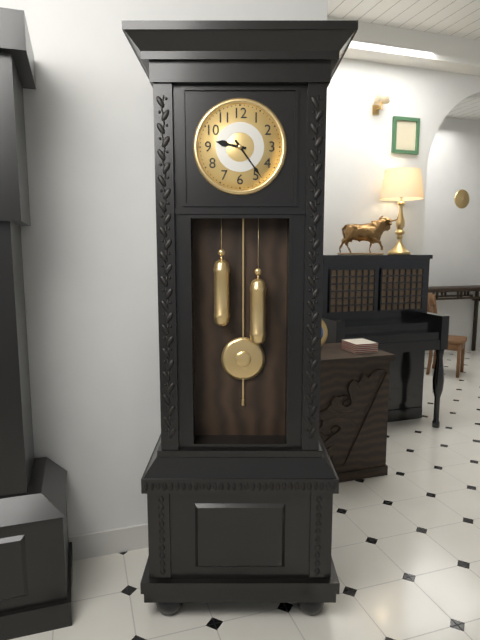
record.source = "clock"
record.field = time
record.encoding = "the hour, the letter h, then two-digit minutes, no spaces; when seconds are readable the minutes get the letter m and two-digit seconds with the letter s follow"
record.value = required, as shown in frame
9h24
